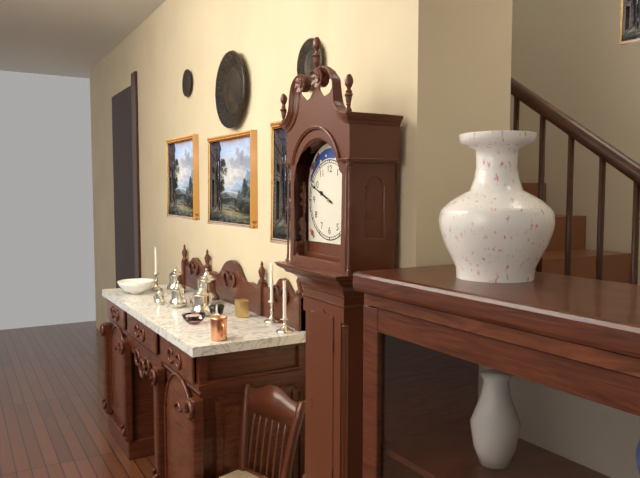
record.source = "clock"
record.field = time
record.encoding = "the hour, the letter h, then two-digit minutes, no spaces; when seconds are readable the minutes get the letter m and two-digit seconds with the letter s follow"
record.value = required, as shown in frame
9h49
